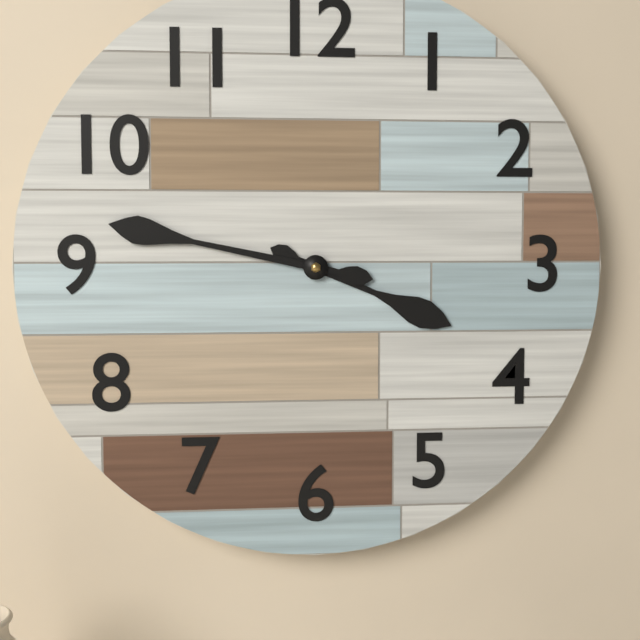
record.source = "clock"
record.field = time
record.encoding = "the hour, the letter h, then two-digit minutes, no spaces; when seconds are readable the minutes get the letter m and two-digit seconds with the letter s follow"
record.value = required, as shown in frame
3h47
